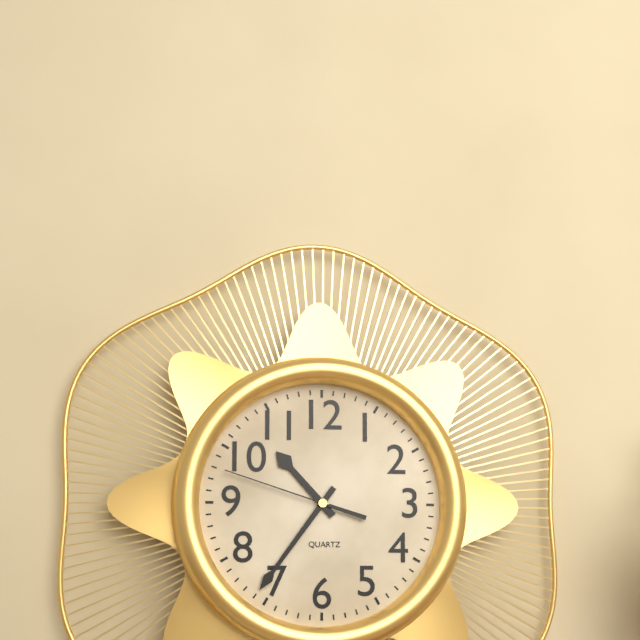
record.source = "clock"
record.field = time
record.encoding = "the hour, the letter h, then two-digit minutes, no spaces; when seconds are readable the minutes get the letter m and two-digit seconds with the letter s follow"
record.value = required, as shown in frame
10h36m48s
